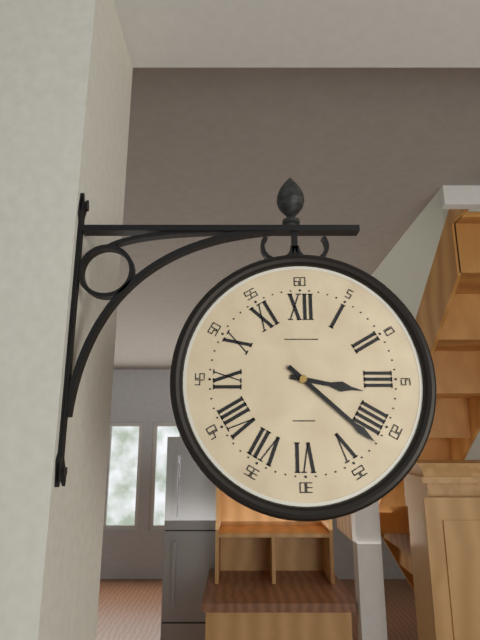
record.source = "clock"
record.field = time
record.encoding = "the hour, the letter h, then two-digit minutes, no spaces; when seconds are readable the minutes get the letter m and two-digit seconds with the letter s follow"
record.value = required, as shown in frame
3h22
